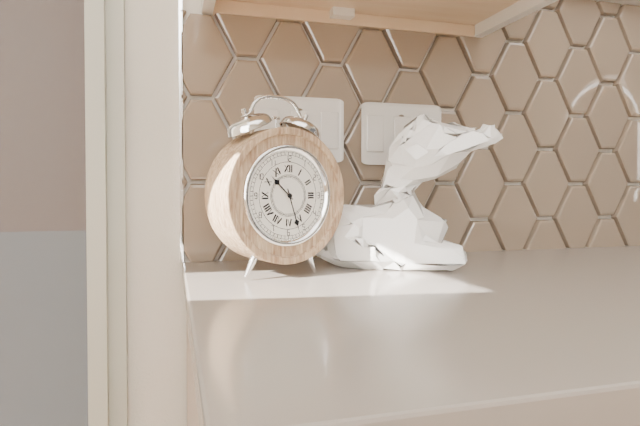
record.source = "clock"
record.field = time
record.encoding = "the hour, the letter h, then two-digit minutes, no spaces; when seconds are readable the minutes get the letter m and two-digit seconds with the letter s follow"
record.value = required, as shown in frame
10h27
